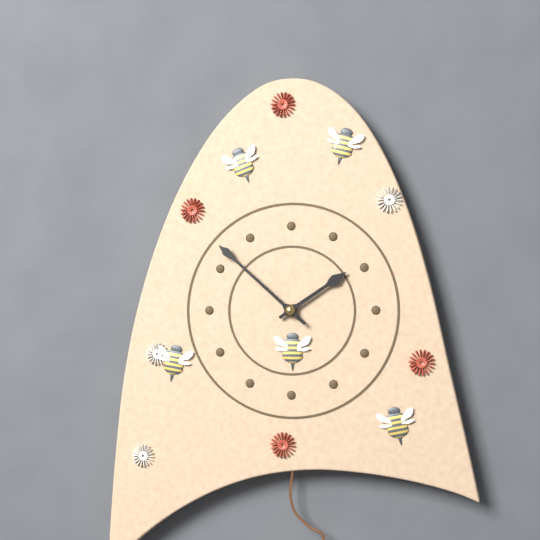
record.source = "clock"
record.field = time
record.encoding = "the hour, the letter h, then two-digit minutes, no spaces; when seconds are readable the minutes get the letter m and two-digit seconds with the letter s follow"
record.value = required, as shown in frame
1h52
